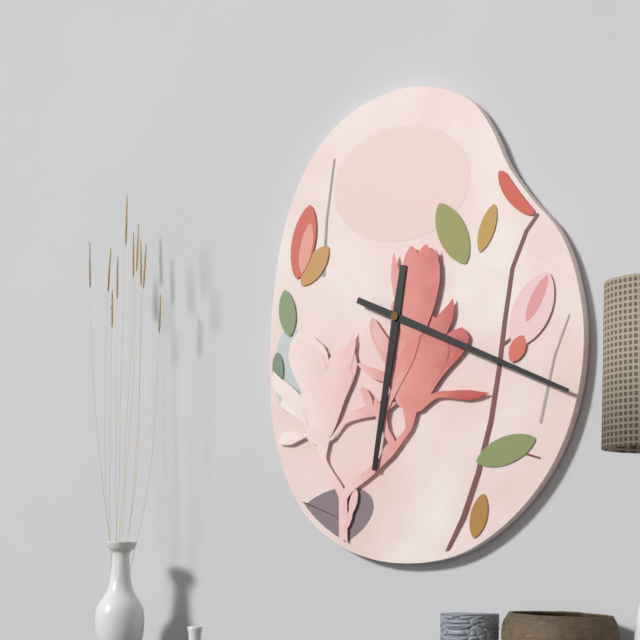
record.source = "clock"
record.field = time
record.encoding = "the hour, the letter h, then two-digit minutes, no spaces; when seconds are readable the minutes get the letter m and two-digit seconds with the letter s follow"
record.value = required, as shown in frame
6h19
